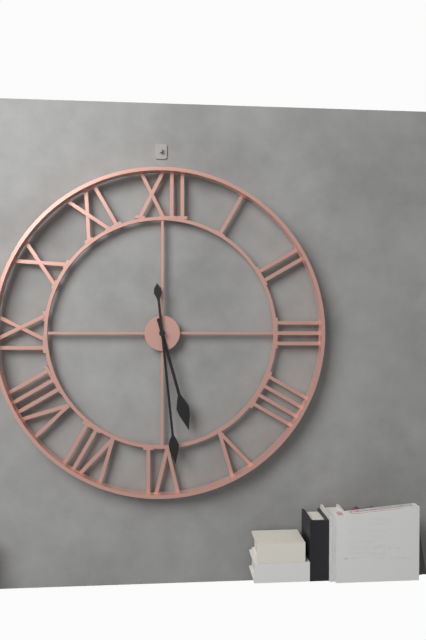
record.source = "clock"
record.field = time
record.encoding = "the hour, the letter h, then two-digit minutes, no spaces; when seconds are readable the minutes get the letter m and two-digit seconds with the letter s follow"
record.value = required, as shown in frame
5h29
